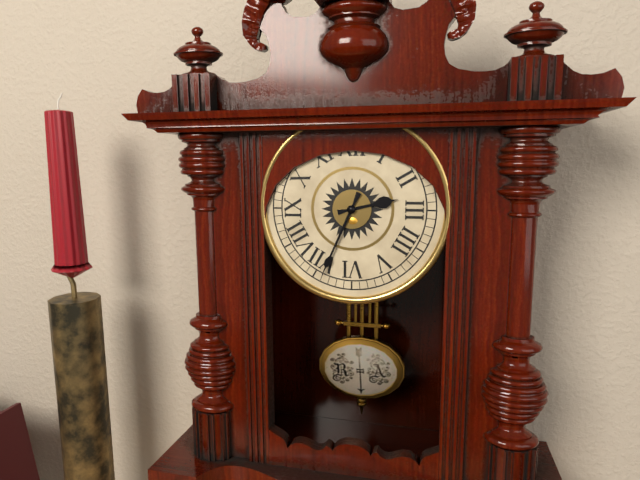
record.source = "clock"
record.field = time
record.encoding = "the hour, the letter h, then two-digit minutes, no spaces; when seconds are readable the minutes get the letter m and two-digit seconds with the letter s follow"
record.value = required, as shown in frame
2h34
